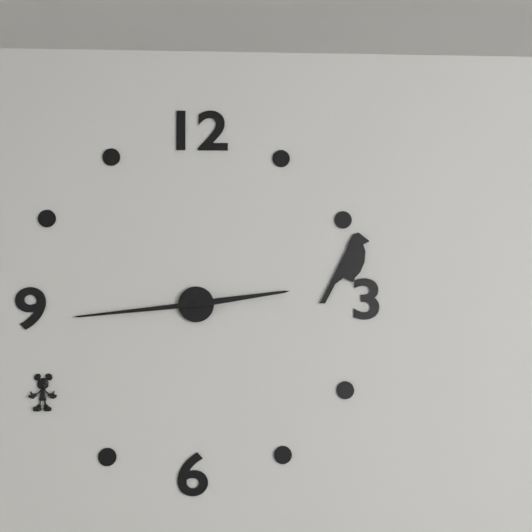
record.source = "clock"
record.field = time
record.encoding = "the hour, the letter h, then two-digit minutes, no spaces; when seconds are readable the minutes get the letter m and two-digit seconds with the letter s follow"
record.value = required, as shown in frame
2h44
